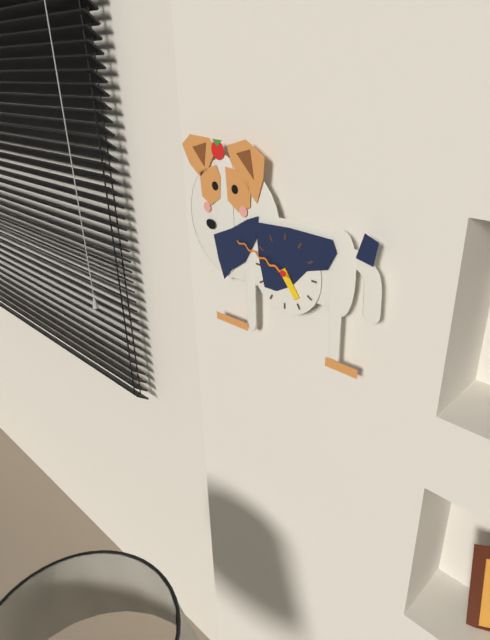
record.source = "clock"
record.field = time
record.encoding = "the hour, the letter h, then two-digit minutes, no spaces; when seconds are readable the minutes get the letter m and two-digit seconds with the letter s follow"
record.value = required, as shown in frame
4h48
